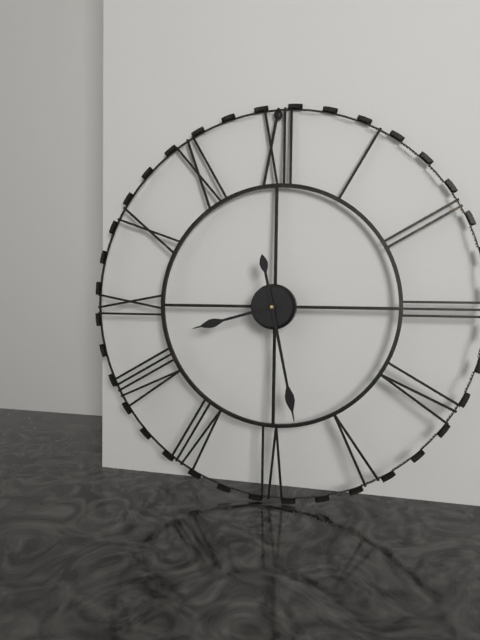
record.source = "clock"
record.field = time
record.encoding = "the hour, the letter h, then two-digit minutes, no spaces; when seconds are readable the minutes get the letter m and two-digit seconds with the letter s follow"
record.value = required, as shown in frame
8h28
